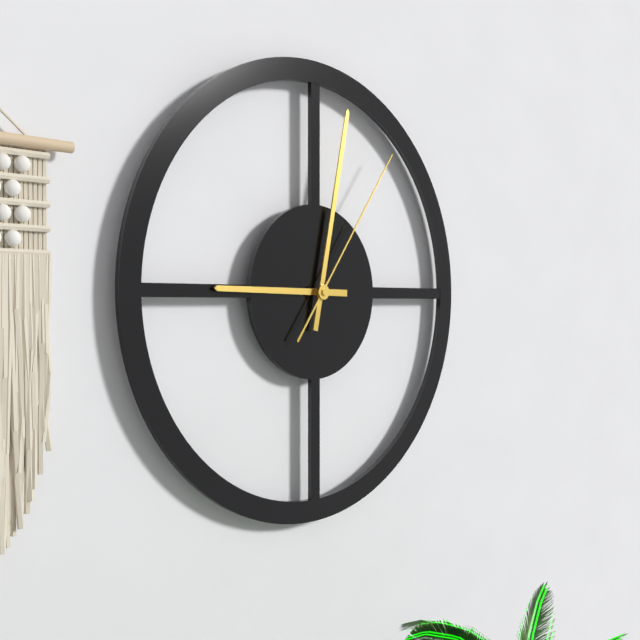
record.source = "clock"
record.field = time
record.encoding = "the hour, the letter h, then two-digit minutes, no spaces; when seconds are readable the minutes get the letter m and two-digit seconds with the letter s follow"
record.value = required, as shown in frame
9h02m06s
